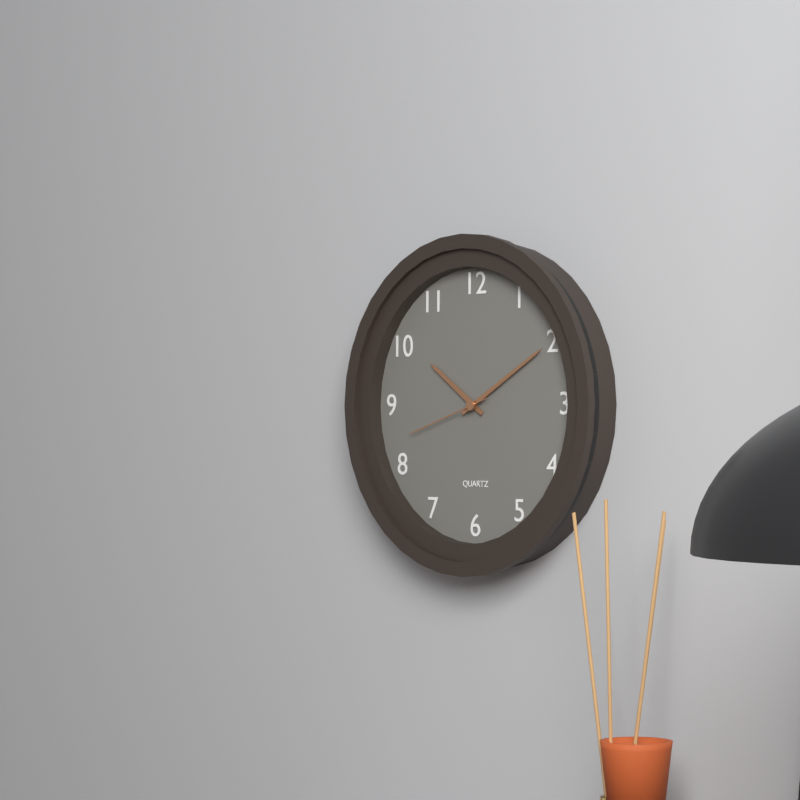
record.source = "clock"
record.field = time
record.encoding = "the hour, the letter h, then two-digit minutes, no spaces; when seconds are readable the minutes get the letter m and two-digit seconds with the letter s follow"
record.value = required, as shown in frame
10h10m42s
